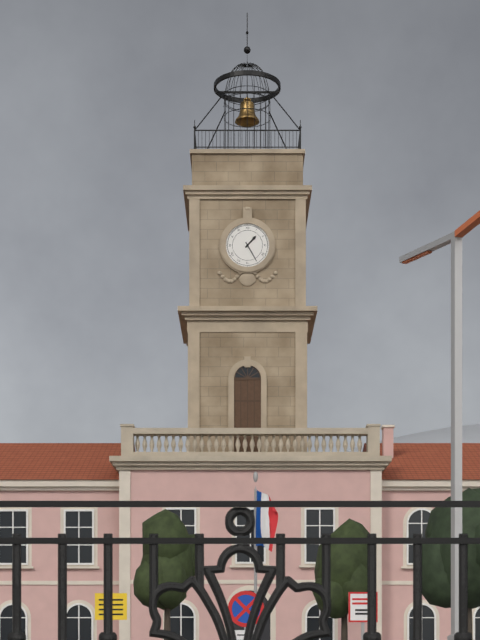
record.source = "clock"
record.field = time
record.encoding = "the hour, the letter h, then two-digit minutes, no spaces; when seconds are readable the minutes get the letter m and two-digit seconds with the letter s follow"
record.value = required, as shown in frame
1h25
